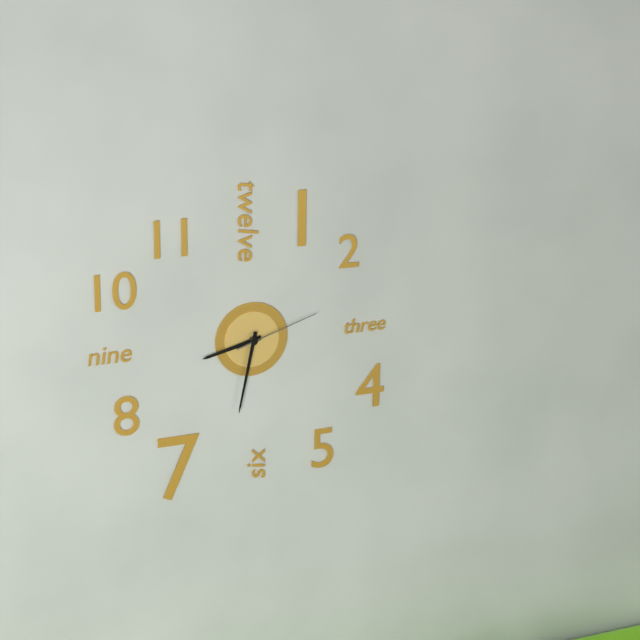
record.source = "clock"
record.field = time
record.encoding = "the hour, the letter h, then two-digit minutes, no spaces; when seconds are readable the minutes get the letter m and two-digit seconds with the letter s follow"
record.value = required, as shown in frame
8h32m12s
